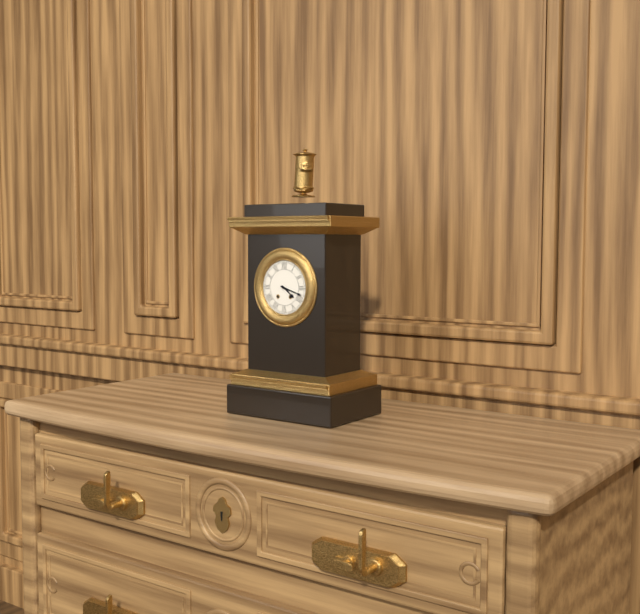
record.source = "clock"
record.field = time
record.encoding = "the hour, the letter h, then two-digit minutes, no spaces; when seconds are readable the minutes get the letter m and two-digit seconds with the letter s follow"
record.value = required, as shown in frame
4h18
